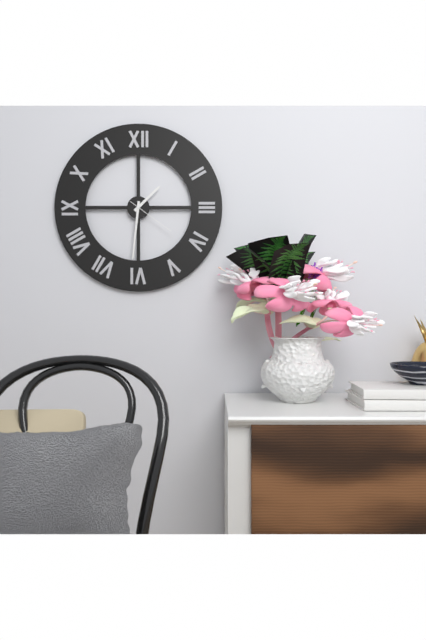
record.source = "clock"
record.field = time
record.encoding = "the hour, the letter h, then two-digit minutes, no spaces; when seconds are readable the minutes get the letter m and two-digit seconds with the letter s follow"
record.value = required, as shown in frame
1h31m21s
